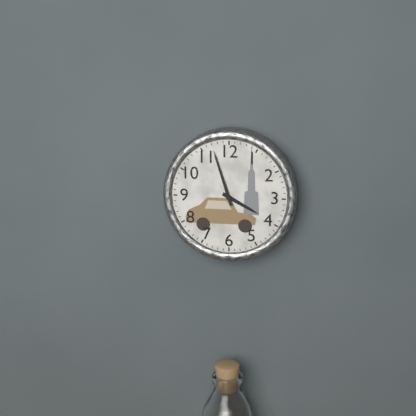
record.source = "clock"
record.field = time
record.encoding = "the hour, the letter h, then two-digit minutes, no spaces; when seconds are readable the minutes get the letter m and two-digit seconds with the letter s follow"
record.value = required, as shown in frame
3h57
